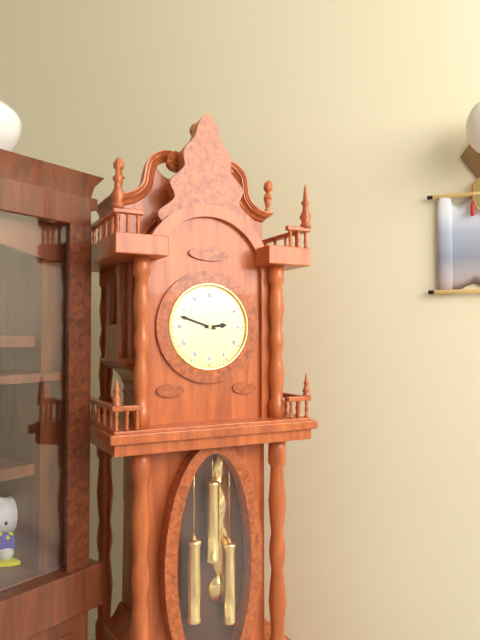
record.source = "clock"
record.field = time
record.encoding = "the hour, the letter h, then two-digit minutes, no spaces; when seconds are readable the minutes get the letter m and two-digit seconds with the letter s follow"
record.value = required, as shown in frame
2h48
